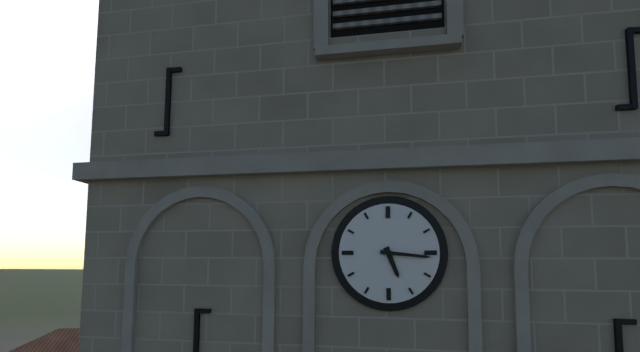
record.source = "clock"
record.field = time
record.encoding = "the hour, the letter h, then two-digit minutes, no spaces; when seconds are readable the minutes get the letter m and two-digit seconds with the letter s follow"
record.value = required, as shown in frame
5h16
